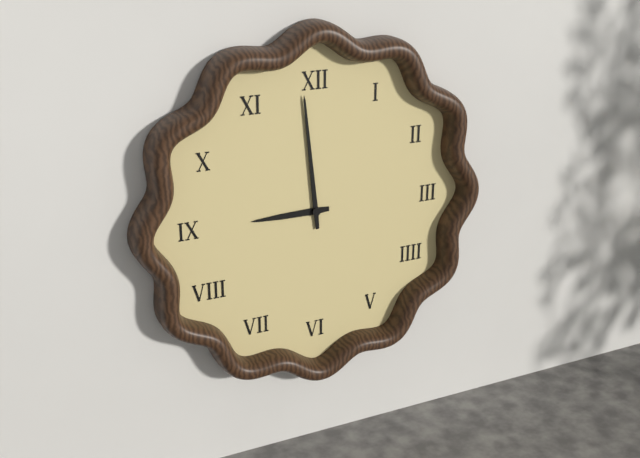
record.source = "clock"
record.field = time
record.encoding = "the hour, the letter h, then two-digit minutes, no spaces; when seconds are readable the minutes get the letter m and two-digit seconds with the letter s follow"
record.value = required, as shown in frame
8h59
